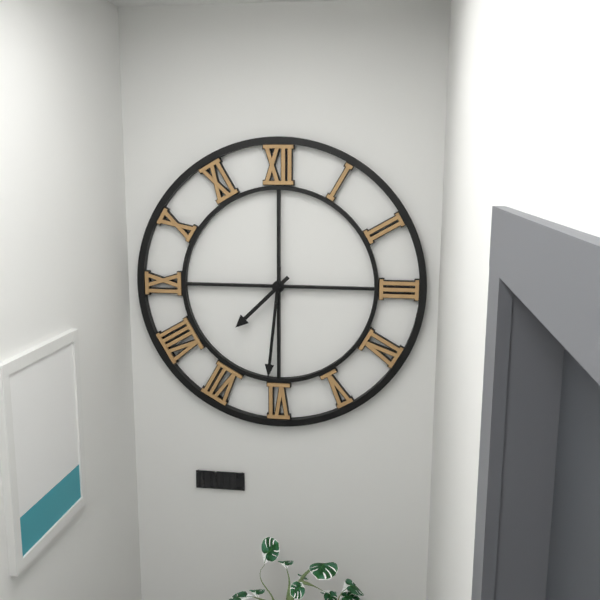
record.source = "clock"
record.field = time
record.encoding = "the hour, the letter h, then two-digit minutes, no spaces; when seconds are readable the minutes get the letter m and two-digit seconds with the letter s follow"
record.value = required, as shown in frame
7h31
